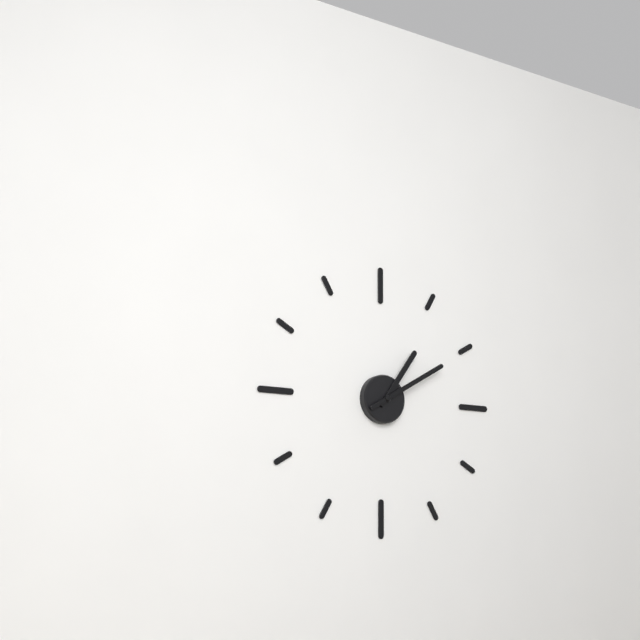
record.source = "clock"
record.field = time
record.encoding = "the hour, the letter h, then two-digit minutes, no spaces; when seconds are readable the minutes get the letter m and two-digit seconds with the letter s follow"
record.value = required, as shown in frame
1h10
